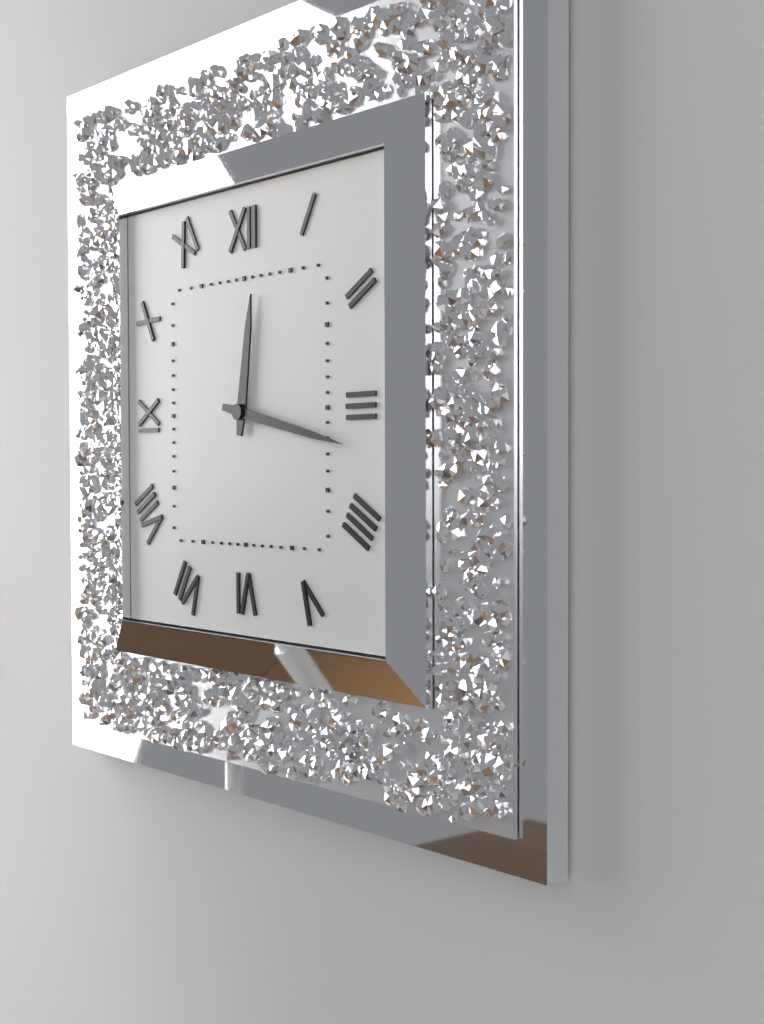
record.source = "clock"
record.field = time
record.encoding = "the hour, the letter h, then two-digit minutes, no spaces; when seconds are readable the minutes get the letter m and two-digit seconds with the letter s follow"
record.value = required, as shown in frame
12h17
